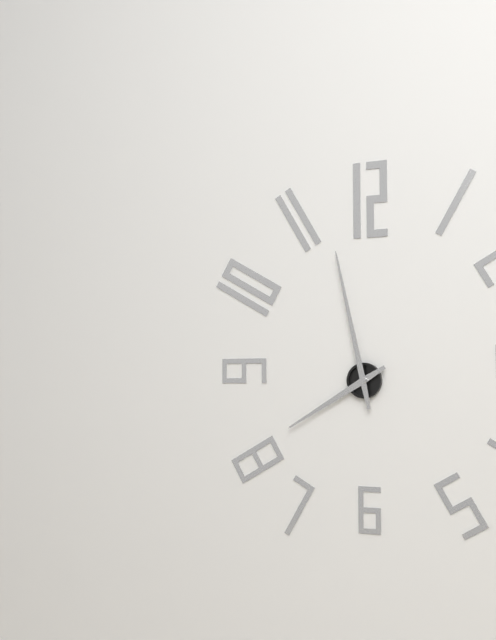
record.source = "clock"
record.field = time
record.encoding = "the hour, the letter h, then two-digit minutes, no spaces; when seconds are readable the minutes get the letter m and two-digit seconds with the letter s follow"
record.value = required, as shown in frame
7h58
